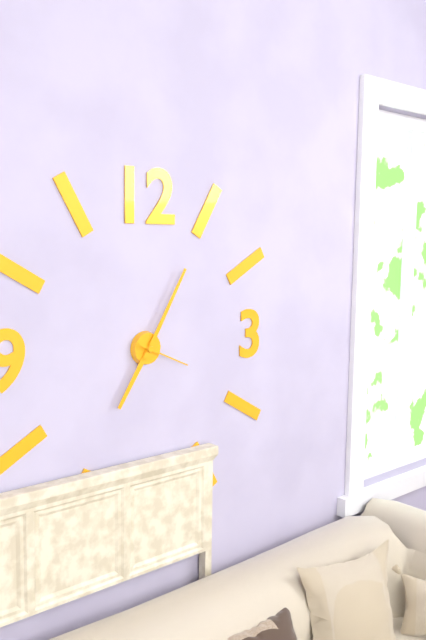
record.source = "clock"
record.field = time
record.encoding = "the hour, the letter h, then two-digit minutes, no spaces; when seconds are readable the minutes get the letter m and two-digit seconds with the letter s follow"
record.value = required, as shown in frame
7h05m19s
